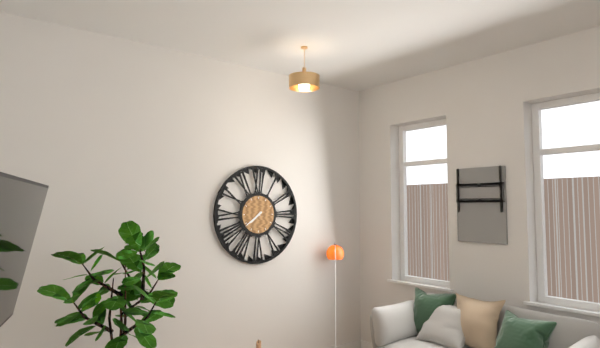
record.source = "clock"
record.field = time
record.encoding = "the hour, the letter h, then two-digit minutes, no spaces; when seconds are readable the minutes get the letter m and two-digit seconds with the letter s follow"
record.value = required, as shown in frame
7h39
